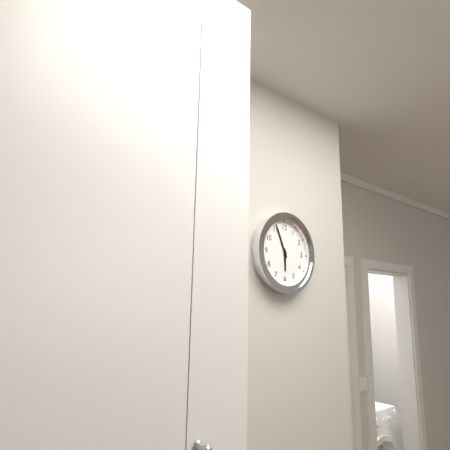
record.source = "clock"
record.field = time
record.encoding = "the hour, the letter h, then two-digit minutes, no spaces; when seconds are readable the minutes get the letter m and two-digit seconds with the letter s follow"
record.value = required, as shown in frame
5h56
